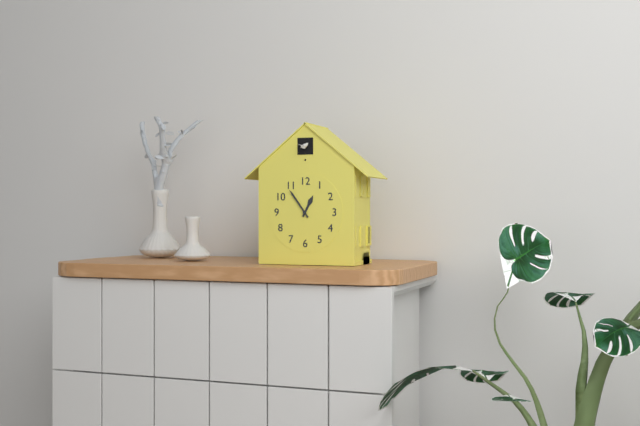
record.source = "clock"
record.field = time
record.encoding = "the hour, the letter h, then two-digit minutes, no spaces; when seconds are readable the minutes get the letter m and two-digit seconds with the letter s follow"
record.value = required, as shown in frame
12h54
